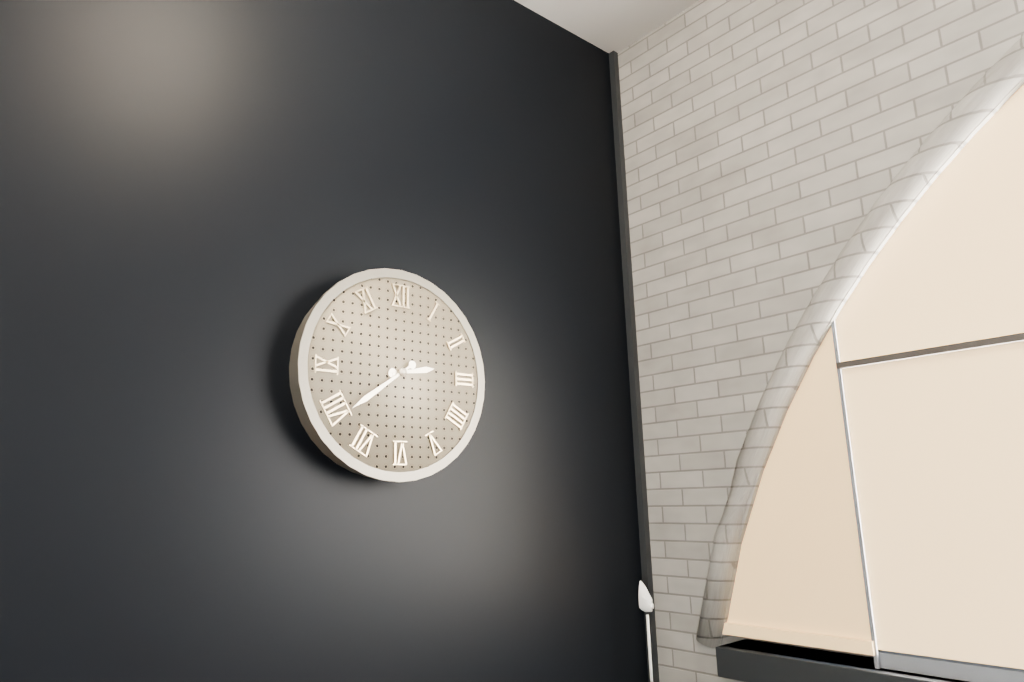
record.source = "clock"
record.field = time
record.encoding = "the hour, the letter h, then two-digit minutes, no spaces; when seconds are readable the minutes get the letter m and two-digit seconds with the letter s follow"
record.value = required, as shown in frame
2h39
